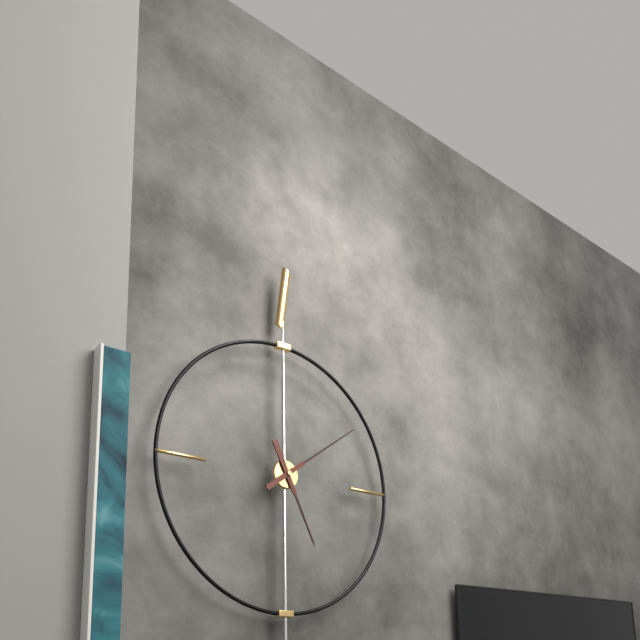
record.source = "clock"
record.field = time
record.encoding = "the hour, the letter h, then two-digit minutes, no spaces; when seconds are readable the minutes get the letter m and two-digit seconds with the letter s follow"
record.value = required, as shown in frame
5h09
